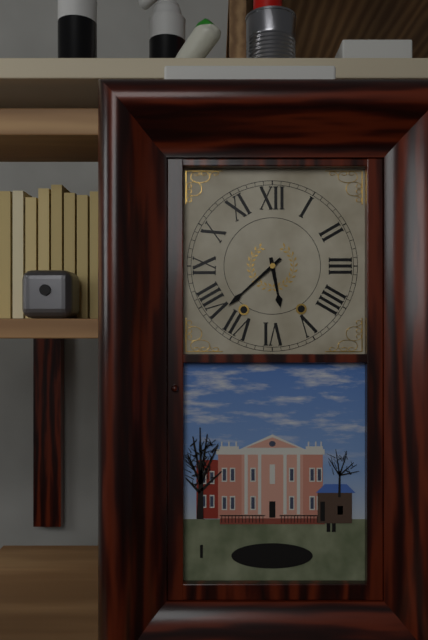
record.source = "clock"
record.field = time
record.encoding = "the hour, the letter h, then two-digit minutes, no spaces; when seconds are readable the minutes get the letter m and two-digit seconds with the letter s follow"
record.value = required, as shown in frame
5h38
